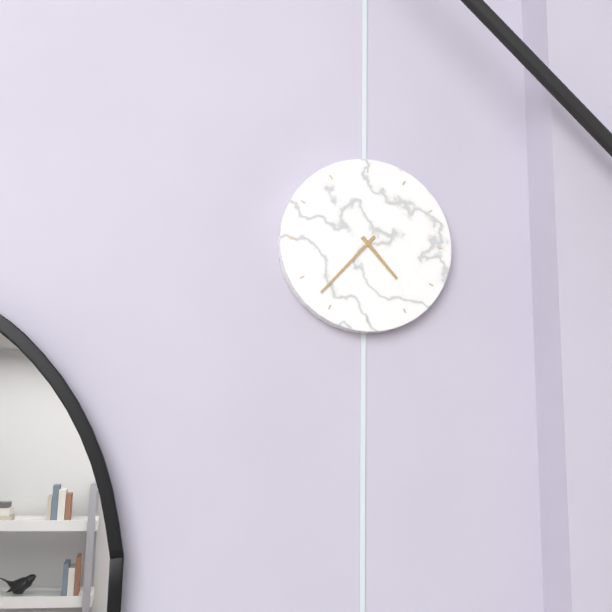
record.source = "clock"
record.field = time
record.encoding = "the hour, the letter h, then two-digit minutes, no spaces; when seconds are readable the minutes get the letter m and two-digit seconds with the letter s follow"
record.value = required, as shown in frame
4h37
